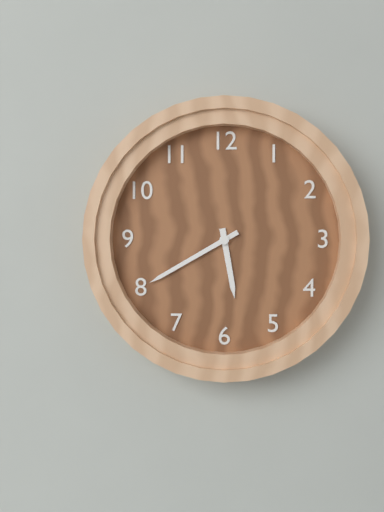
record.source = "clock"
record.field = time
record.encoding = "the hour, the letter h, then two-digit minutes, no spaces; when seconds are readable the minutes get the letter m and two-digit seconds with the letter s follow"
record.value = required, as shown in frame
5h40
